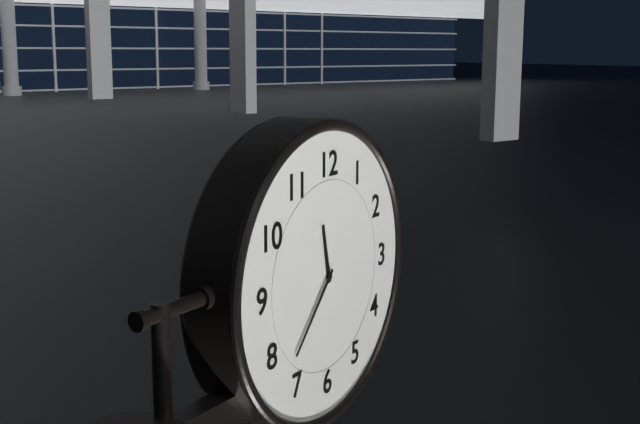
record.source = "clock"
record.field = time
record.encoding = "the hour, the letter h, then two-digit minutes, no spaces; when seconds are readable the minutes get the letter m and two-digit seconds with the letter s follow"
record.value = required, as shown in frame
11h37
